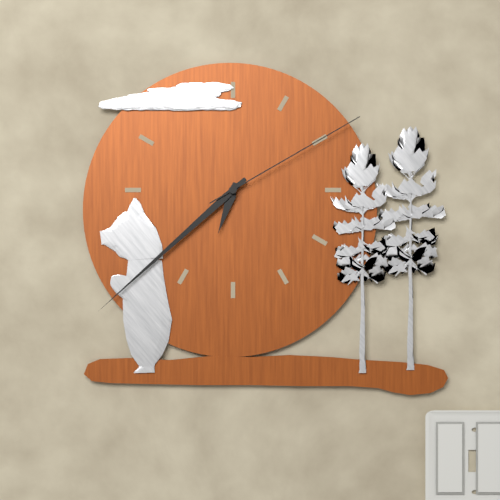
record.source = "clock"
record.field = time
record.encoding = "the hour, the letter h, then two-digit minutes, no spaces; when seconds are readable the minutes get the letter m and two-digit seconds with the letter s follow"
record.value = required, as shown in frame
6h38m10s
